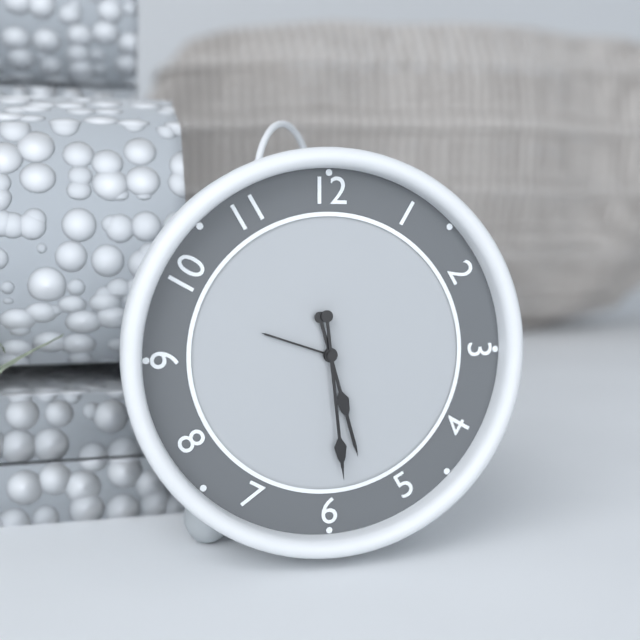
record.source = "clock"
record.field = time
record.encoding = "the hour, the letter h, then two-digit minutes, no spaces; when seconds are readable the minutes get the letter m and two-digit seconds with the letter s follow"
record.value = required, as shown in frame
5h29
